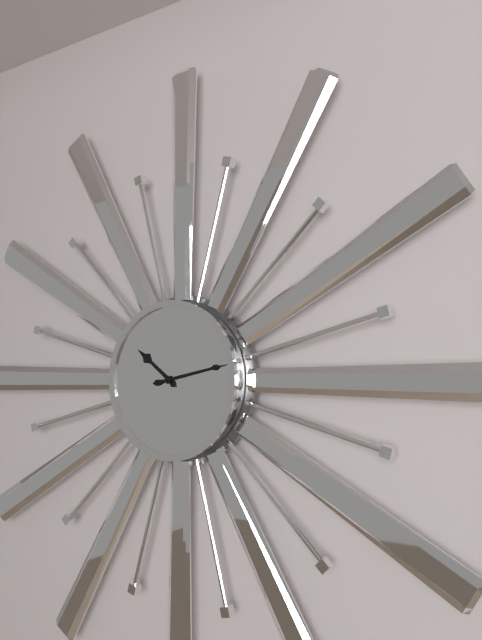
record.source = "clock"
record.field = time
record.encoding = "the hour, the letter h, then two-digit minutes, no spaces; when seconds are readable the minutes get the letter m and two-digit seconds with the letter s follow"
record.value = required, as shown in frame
10h13
